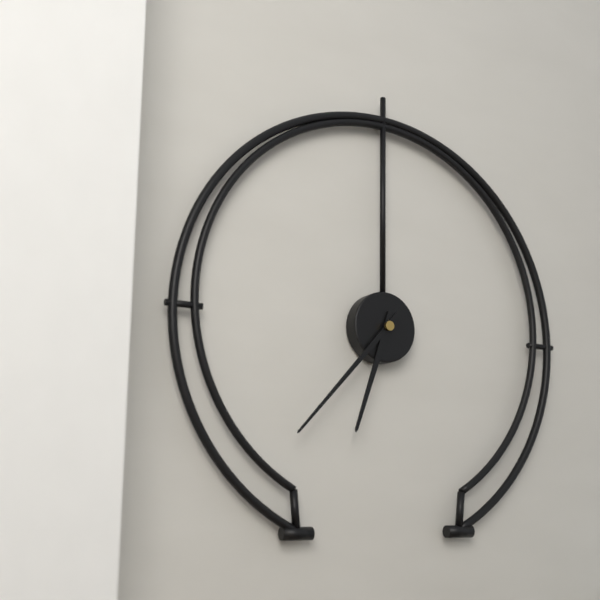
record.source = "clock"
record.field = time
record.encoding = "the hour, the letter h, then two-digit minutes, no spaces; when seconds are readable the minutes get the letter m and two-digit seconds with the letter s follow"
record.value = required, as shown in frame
6h37
